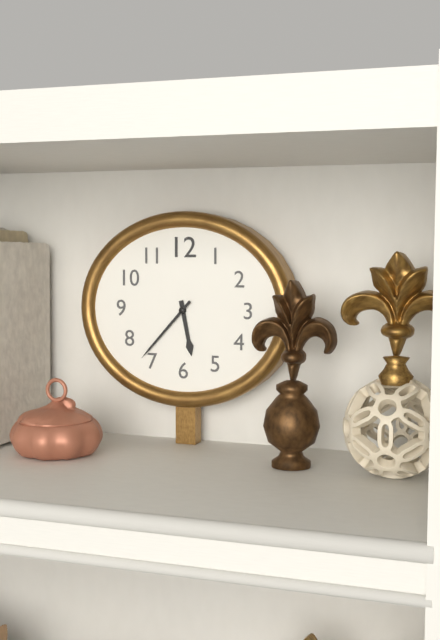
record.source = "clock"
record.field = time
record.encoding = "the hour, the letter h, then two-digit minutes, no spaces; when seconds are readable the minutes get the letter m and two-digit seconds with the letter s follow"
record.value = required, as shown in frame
5h37
